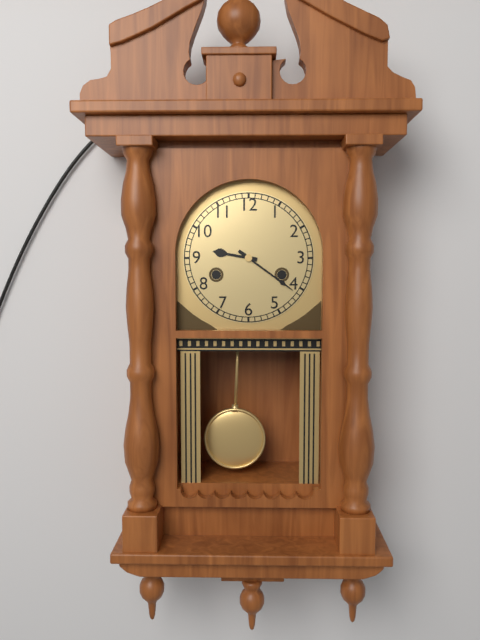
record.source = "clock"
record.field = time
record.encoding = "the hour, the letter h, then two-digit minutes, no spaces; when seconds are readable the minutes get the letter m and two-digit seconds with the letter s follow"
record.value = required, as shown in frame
9h21
